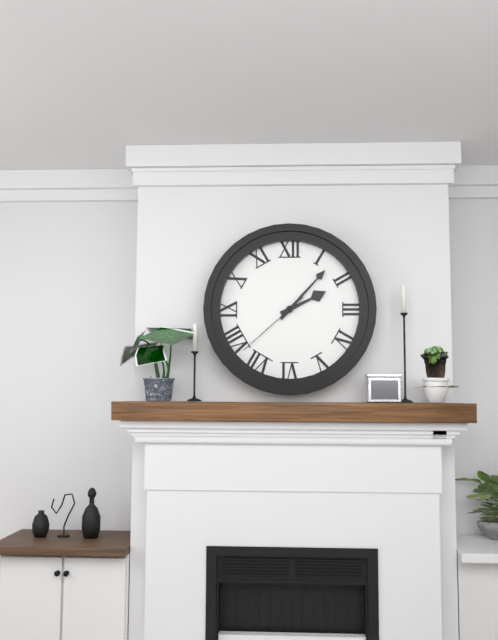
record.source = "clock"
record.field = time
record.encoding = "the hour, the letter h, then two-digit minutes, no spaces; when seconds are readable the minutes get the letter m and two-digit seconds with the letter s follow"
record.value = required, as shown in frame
2h07m38s
